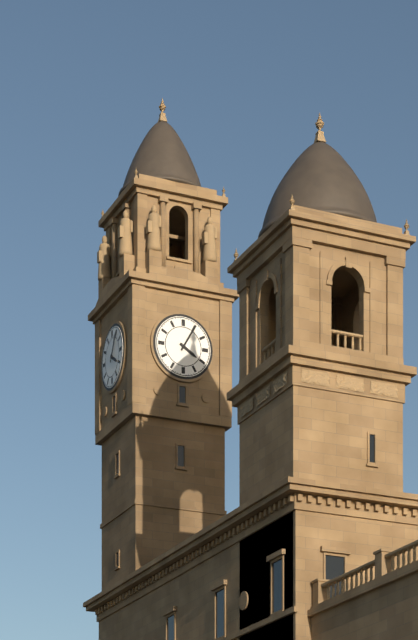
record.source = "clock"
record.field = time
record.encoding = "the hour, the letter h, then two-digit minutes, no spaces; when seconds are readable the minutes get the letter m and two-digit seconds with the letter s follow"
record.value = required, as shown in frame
4h05
